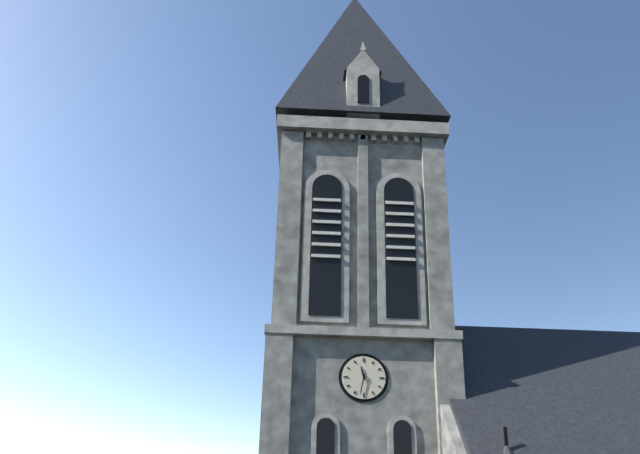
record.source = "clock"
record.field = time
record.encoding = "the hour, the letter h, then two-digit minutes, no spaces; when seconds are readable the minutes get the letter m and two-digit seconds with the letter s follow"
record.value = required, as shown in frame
11h32
